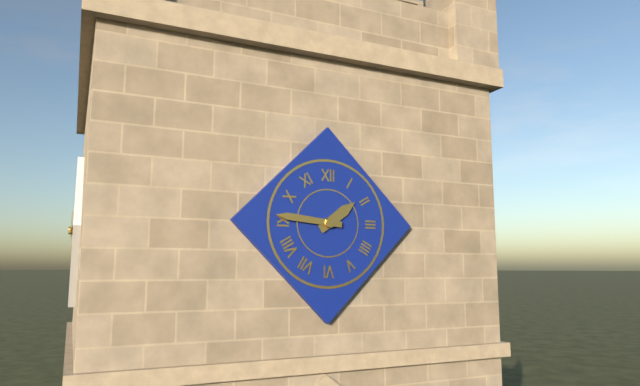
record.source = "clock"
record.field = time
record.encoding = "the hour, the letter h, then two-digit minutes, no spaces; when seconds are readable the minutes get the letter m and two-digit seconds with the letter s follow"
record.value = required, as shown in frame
1h46
